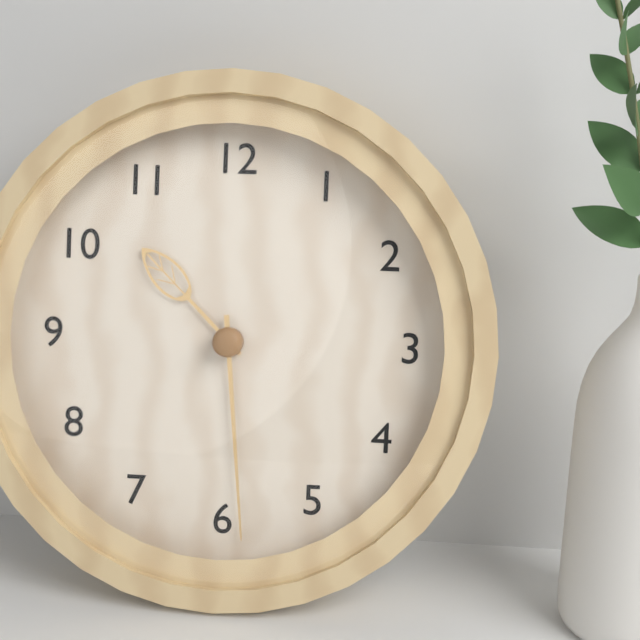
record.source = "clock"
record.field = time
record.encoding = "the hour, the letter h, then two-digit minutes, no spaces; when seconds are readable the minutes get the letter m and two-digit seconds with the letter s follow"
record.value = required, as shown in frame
10h29
